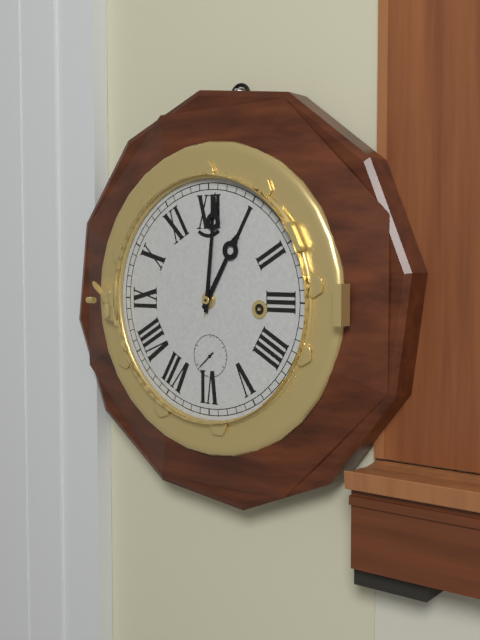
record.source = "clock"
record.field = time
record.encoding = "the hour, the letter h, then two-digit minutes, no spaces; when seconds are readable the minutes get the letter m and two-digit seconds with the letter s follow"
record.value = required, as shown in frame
1h01m38s
